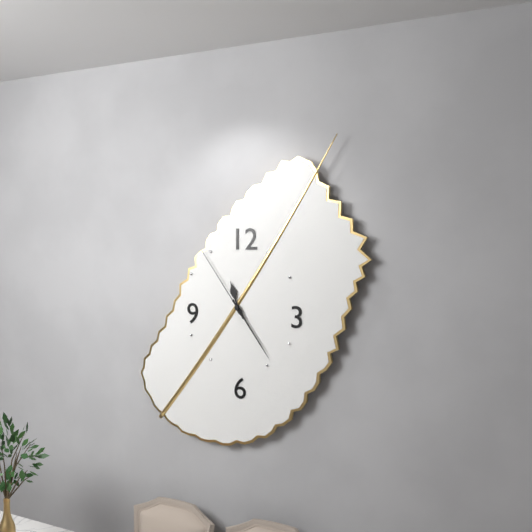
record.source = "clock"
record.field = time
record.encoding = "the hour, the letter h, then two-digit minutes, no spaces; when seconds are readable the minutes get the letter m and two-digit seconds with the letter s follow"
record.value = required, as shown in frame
11h24m54s
